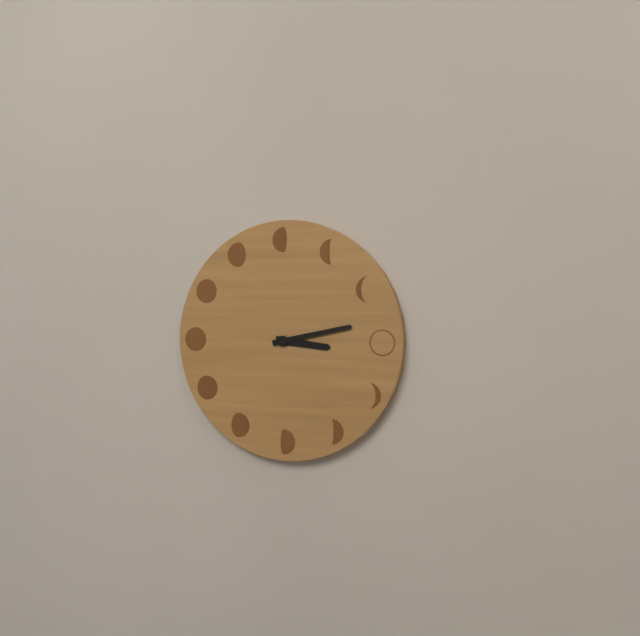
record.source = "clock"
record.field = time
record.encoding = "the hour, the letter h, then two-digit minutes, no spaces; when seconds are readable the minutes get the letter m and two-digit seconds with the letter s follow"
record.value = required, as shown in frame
3h13
